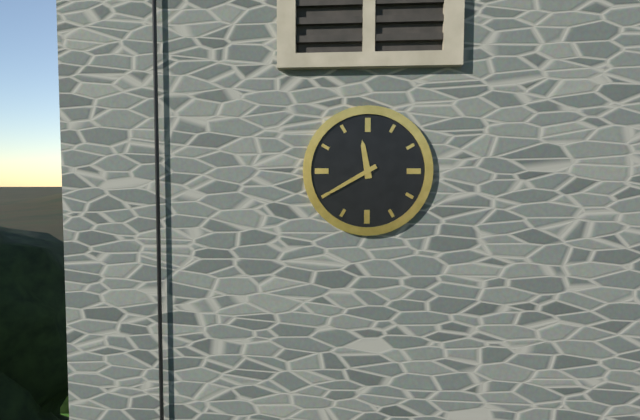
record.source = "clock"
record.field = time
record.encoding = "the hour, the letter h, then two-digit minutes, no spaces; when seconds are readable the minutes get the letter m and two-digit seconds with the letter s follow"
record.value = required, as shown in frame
11h40
